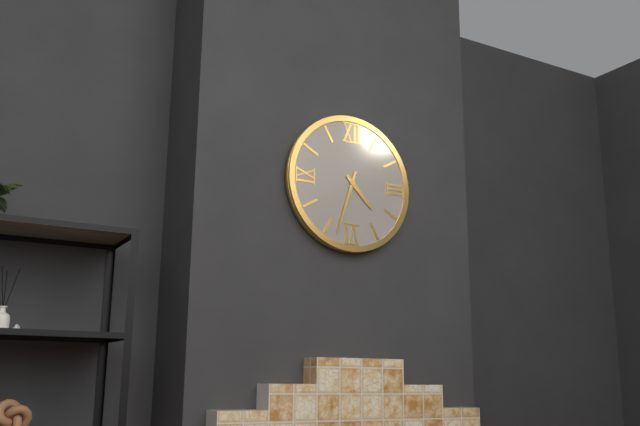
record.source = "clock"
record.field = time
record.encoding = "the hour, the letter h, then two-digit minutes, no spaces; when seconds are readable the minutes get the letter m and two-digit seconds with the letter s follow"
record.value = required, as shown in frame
4h33
